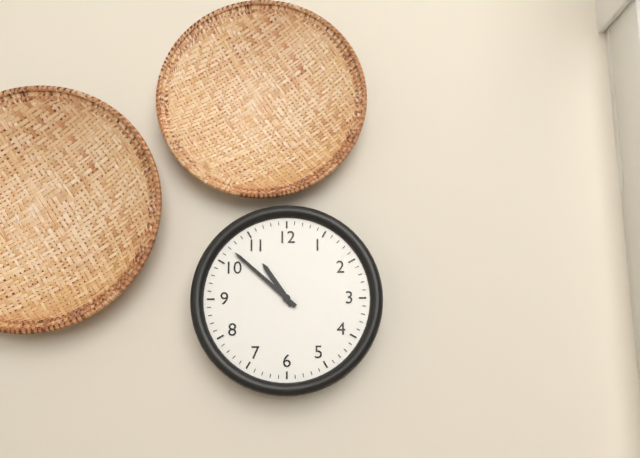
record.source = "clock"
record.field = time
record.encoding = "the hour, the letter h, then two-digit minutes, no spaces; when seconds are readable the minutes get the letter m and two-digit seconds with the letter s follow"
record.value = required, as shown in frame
10h52
